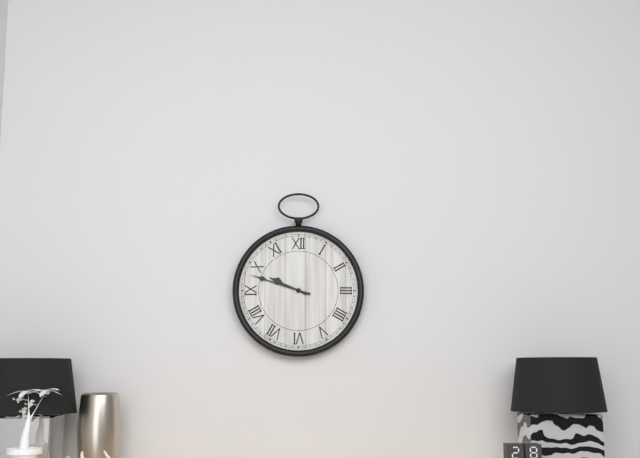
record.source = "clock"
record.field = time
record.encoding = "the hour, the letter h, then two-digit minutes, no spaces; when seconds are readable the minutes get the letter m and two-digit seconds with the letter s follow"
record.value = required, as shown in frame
9h48
